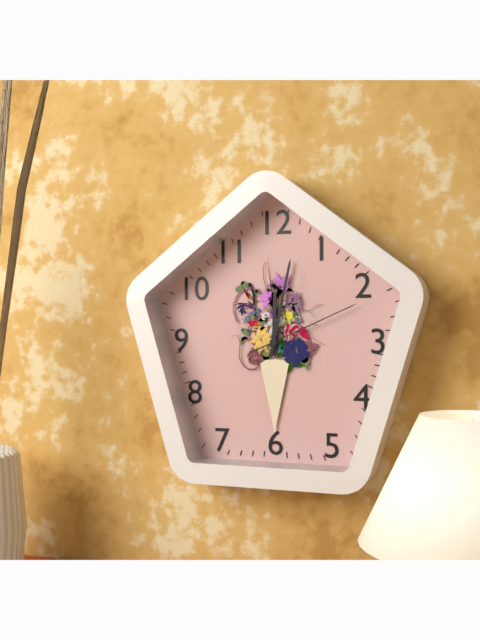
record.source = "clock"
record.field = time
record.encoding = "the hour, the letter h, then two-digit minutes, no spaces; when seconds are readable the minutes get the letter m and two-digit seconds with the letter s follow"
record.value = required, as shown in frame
12h02m11s
